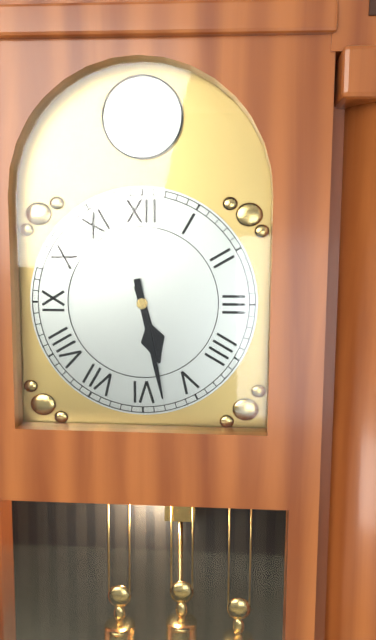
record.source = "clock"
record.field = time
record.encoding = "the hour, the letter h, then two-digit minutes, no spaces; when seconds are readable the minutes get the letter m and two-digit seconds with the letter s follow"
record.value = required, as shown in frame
5h28
